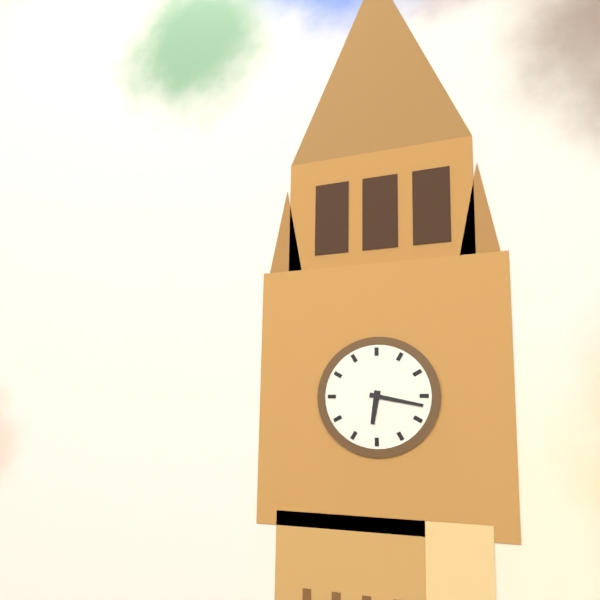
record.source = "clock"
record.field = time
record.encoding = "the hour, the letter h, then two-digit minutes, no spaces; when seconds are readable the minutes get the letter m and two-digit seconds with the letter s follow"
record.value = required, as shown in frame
6h17
